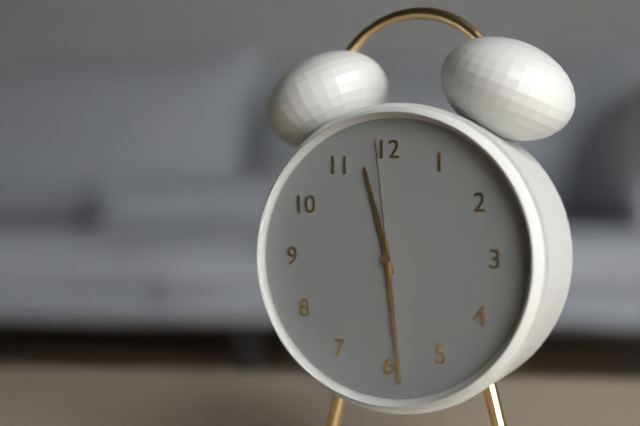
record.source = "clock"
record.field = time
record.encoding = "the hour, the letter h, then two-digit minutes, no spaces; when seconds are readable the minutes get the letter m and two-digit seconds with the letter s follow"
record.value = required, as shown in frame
11h29m59s
